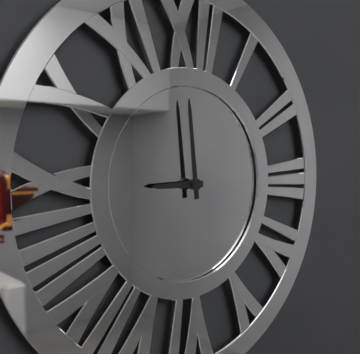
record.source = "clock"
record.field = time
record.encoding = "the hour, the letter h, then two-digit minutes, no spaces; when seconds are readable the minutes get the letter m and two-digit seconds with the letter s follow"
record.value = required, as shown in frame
8h59
